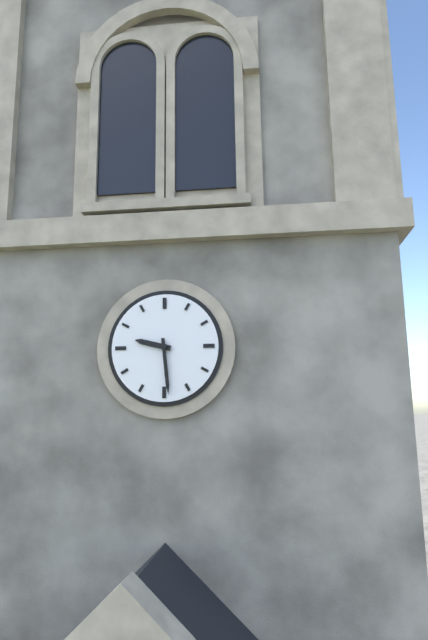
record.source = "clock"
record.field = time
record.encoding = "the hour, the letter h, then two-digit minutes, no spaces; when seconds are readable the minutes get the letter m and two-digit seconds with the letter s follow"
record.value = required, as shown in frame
9h29
